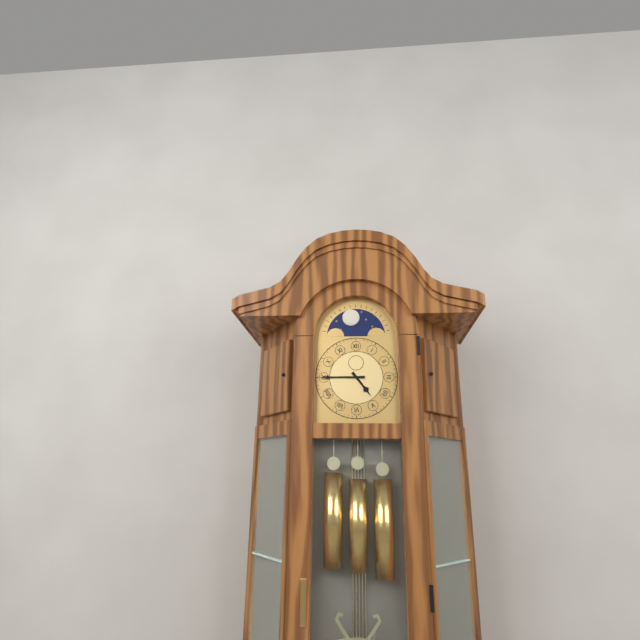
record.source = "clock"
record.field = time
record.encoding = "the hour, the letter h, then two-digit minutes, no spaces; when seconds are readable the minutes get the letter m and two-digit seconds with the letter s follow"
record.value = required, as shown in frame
4h45
